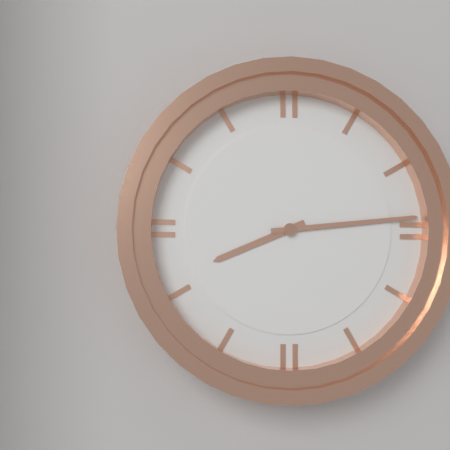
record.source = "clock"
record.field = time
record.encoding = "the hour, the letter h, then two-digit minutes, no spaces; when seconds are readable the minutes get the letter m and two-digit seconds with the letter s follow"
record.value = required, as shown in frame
8h14
